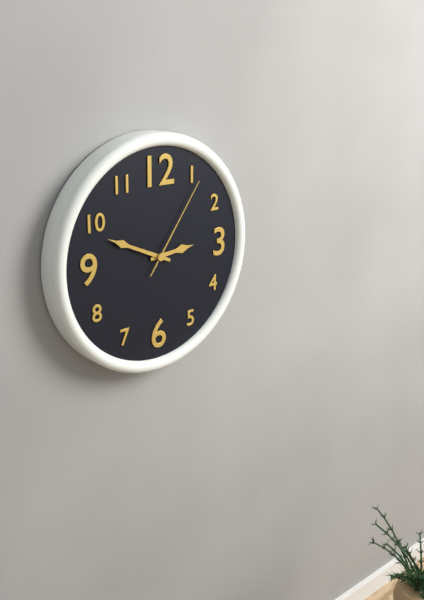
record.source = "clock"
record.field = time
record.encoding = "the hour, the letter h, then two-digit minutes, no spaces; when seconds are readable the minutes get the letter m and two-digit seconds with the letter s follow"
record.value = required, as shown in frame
2h49m06s
